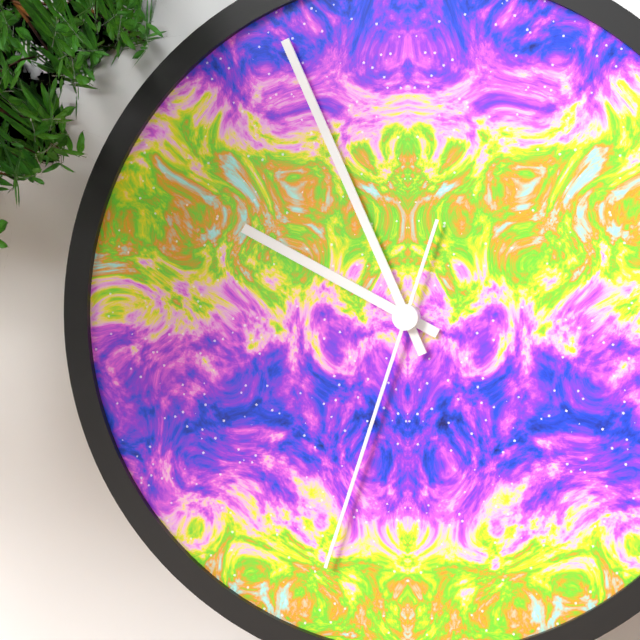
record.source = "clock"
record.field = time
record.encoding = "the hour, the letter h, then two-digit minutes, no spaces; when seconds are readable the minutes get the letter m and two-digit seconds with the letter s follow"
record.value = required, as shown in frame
9h56m33s
